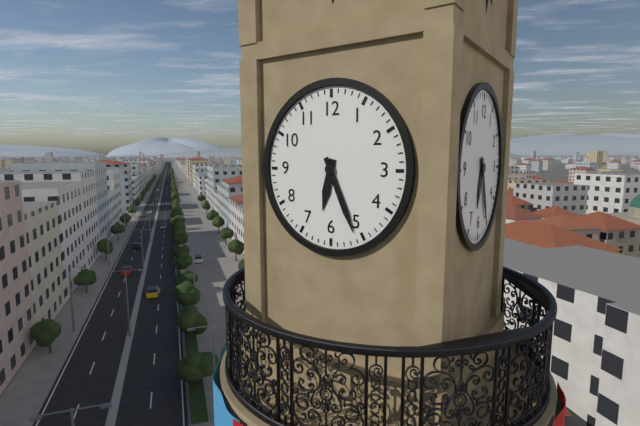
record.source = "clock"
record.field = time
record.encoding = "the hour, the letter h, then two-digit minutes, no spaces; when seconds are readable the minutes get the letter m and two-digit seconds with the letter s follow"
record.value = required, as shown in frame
6h26
